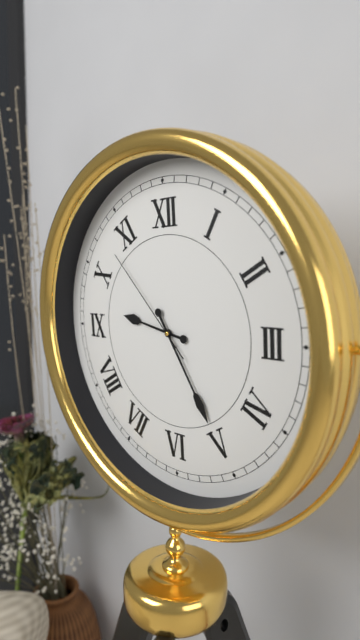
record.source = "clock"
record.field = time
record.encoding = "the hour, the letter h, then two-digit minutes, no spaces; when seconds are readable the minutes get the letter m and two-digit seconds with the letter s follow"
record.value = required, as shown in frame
9h25m53s
